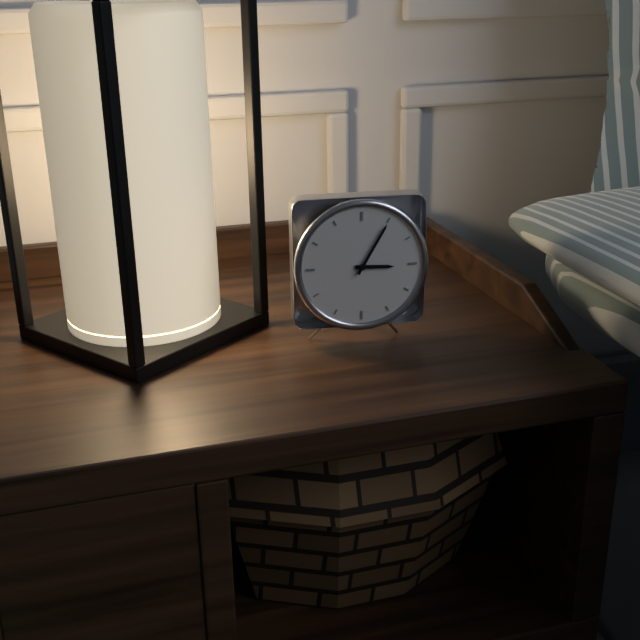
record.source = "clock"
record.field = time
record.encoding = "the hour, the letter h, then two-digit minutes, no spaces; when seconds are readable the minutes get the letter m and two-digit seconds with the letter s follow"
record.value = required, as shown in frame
3h05
